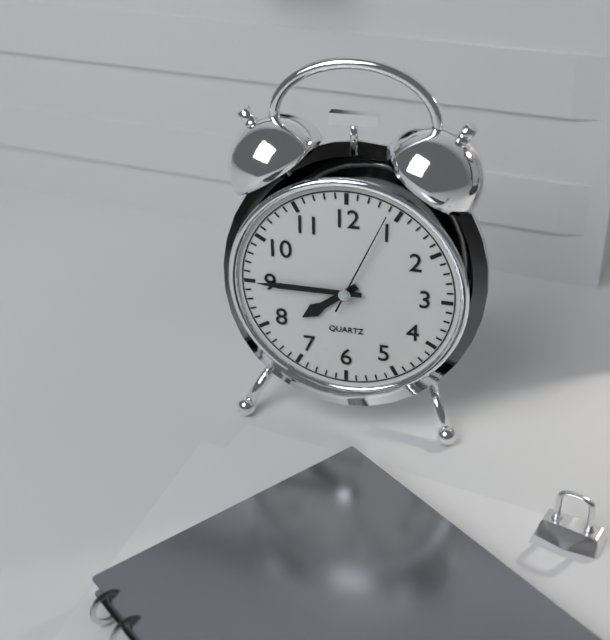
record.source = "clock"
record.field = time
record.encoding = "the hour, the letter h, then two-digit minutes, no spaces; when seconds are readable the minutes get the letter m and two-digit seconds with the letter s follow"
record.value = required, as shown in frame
7h45m04s
